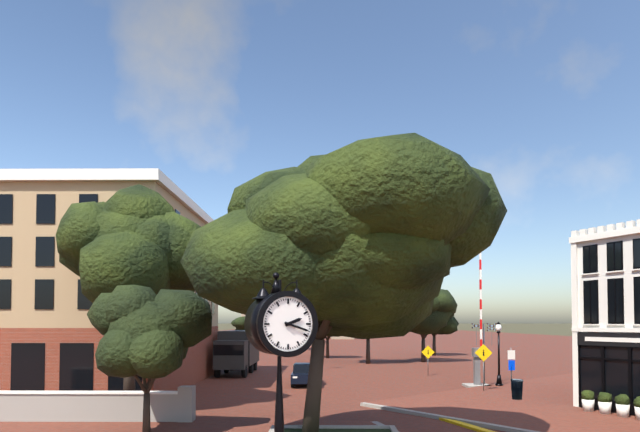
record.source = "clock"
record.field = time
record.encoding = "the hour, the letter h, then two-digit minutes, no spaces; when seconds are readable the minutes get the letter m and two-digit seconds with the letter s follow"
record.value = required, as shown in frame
2h18
